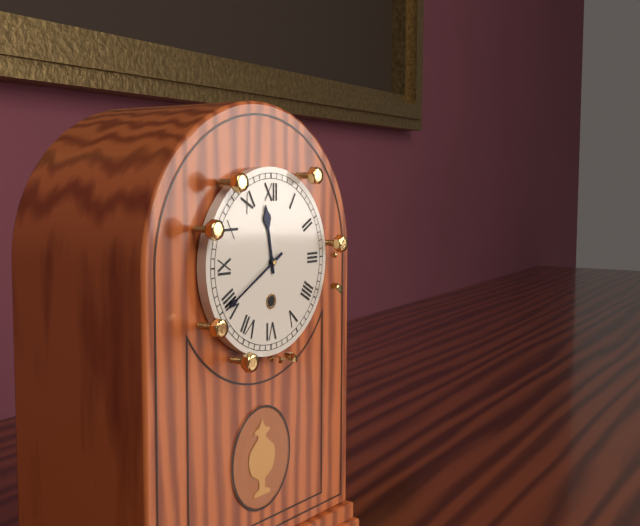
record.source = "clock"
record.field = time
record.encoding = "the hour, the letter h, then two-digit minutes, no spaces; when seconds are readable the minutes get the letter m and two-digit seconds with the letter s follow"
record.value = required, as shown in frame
11h40
